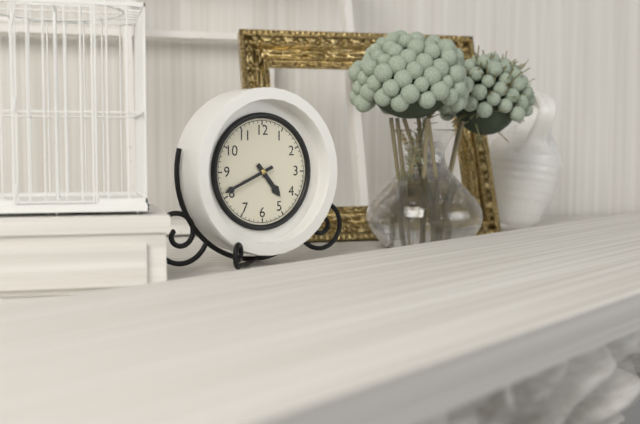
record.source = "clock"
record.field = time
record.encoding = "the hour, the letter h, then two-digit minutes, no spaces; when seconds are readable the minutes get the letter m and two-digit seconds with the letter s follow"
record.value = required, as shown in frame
4h41
